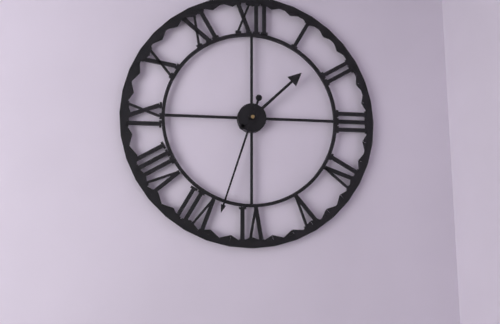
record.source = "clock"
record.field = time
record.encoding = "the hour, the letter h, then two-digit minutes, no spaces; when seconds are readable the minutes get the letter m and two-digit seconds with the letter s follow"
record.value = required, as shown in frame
1h33
